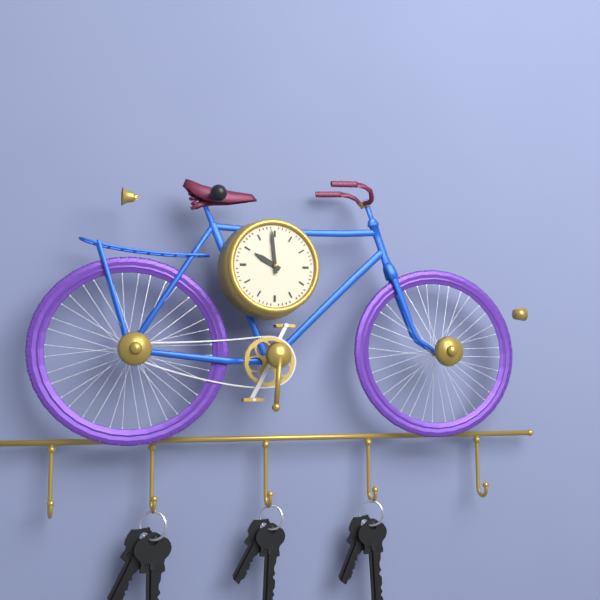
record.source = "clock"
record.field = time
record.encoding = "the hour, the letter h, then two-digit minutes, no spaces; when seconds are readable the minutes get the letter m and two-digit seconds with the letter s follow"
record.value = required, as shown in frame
9h59
